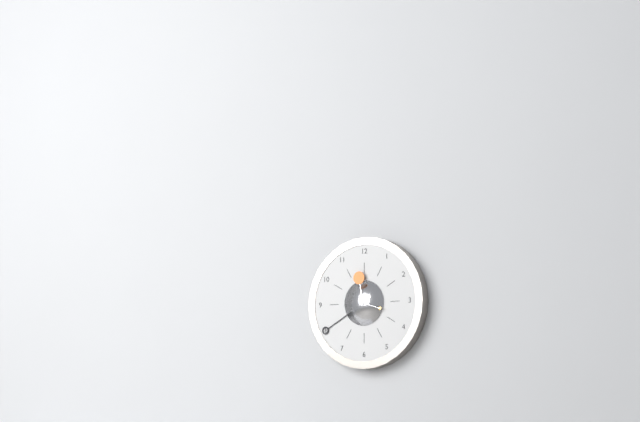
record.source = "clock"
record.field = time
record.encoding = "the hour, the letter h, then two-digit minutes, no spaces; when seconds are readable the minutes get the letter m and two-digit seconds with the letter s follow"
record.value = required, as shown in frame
11h40
